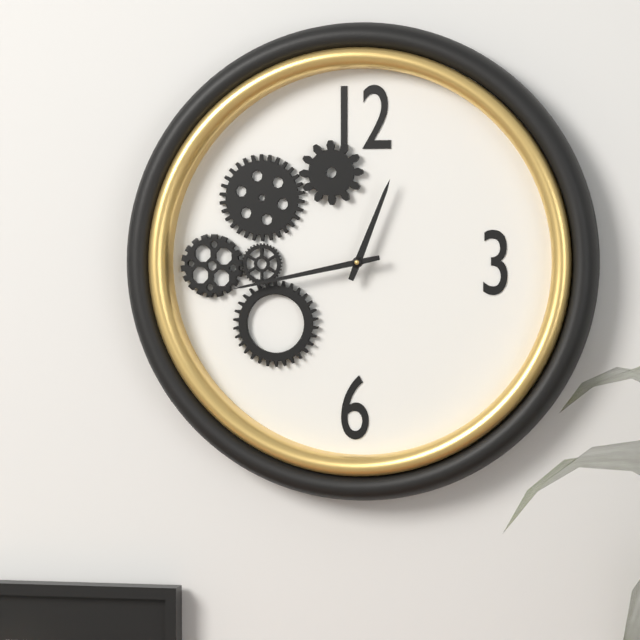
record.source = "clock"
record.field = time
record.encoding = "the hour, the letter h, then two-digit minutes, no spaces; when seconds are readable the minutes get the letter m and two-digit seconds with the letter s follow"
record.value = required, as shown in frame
12h43
